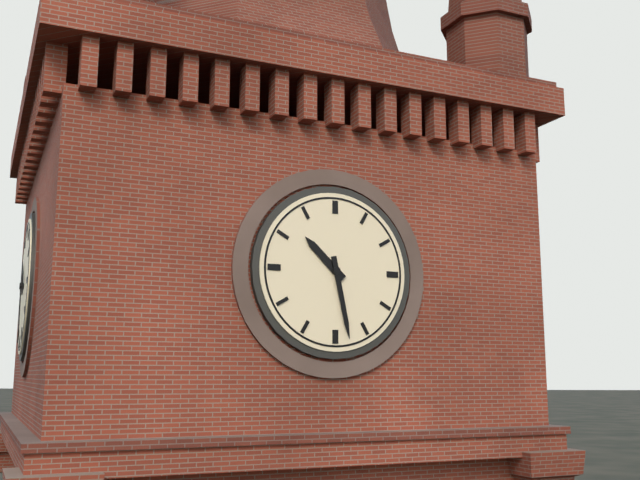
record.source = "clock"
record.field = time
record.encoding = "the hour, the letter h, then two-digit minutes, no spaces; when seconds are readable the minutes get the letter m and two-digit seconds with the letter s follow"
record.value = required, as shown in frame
10h28
